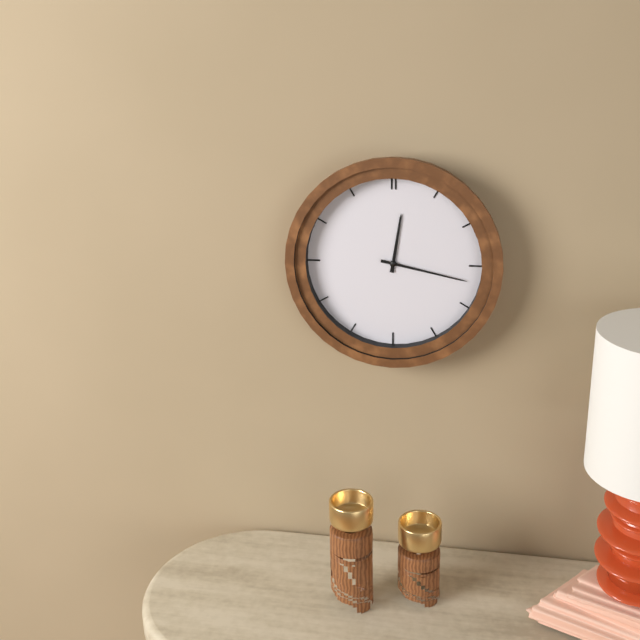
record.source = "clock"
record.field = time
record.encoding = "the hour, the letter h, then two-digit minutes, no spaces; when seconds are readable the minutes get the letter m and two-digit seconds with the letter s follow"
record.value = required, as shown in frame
12h17
